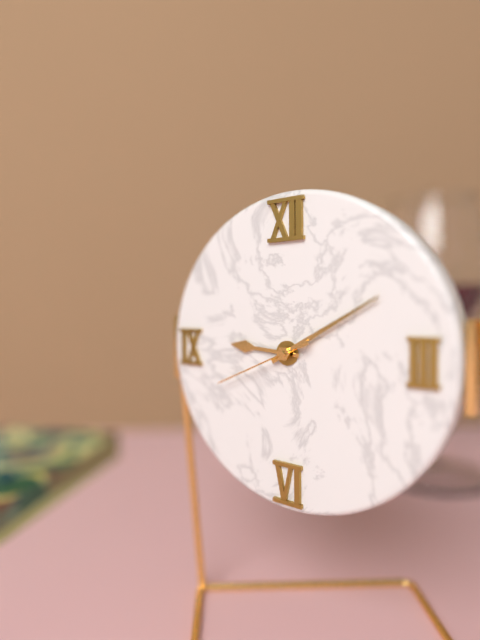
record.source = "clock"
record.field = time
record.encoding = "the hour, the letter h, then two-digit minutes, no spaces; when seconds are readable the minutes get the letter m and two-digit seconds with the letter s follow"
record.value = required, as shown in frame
9h10m41s
